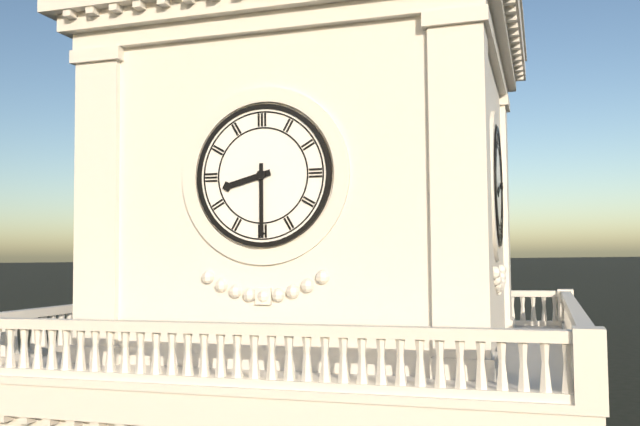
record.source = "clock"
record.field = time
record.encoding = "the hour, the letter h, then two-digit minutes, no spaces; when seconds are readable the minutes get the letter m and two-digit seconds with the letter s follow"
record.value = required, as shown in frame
8h30
